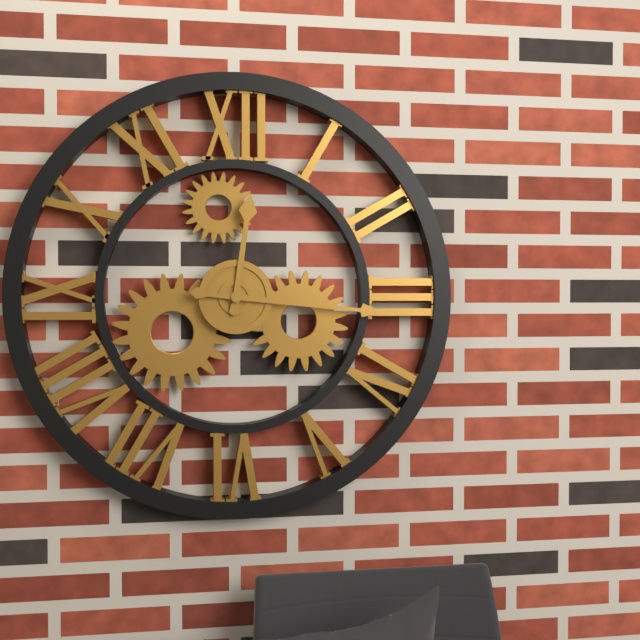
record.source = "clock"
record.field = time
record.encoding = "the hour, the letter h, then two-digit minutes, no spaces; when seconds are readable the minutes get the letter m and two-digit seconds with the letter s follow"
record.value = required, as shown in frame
12h16
